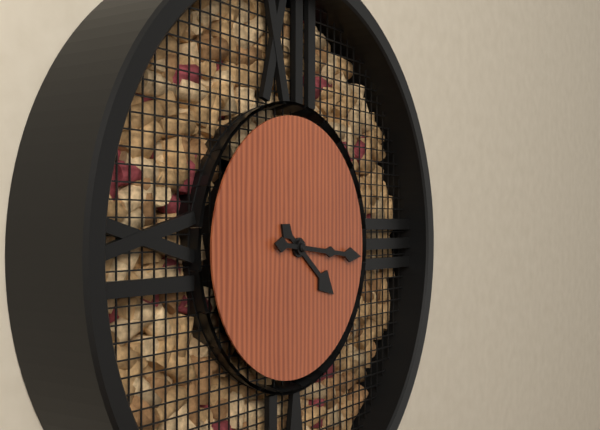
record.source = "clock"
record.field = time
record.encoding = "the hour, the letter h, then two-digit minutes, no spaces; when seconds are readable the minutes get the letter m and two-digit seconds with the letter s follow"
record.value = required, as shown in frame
4h16
